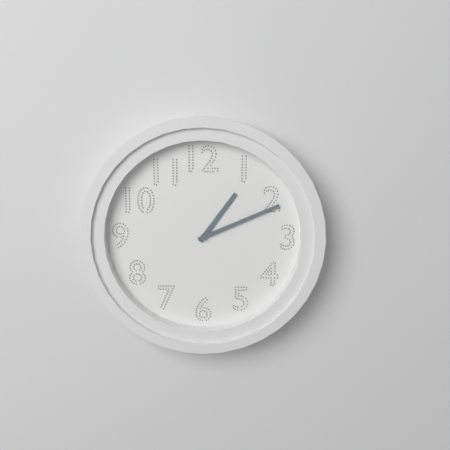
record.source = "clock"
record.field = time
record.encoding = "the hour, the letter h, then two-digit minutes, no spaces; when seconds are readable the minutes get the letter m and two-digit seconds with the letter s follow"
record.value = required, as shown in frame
1h11
